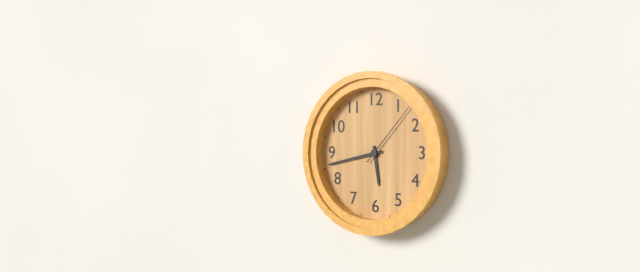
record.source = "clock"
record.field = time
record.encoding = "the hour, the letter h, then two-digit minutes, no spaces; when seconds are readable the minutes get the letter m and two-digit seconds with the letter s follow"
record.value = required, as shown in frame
5h43m07s
